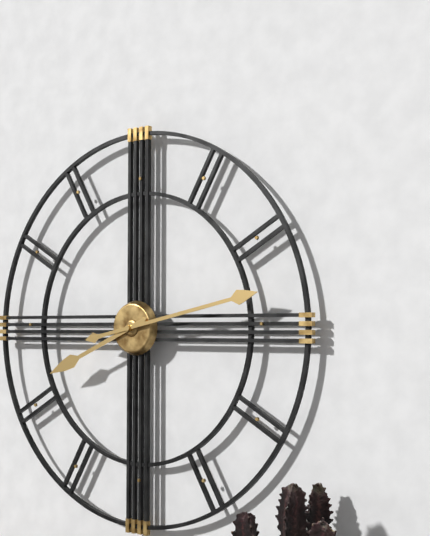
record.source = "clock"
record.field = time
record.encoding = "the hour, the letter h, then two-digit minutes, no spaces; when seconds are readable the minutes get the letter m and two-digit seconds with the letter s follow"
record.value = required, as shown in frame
8h13
